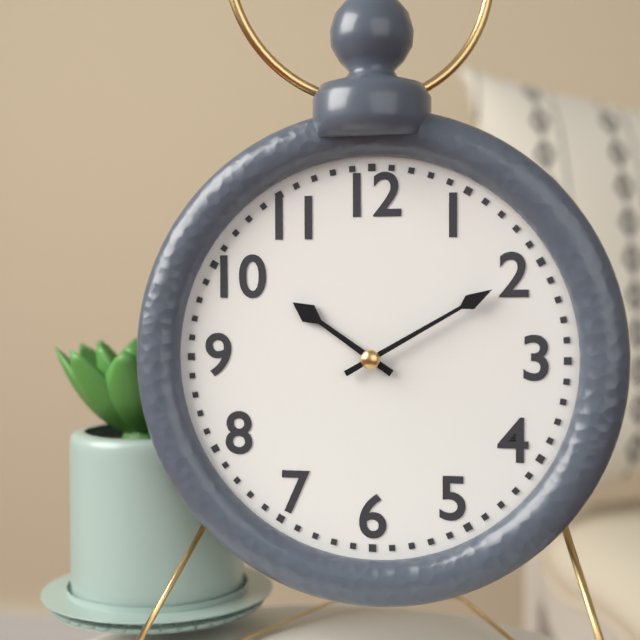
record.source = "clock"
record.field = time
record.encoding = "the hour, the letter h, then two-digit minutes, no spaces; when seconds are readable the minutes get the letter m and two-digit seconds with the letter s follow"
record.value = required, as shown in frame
10h10
